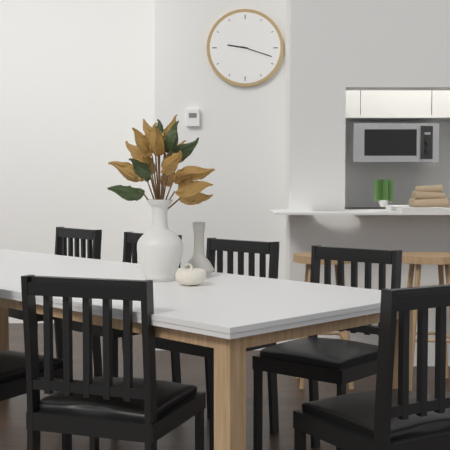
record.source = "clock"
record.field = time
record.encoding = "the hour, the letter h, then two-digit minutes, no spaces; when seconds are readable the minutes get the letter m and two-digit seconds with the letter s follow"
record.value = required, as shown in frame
9h18
